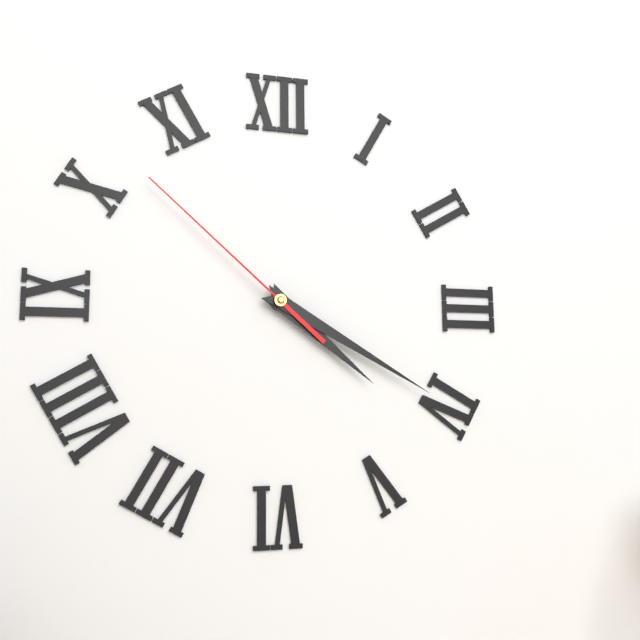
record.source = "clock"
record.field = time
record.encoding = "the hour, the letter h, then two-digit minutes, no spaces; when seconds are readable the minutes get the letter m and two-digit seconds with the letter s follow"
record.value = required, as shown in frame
4h20m52s
